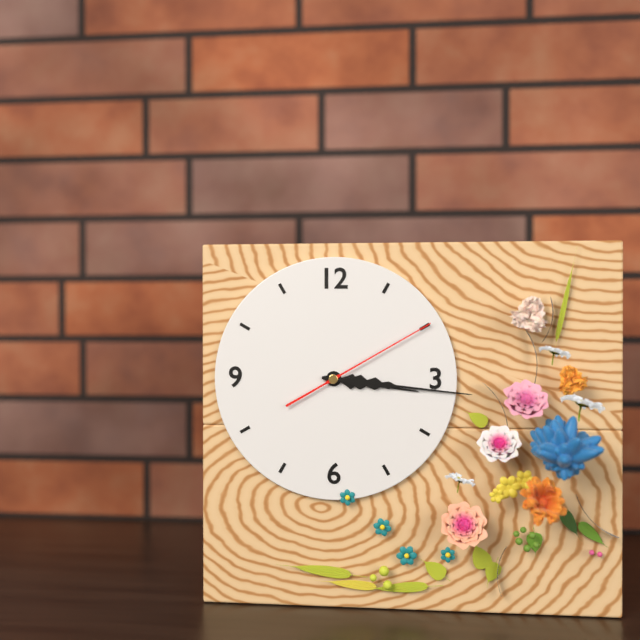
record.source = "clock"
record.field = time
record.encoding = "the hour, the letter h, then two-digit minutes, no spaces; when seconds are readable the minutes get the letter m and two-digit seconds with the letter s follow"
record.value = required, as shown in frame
3h16m10s
